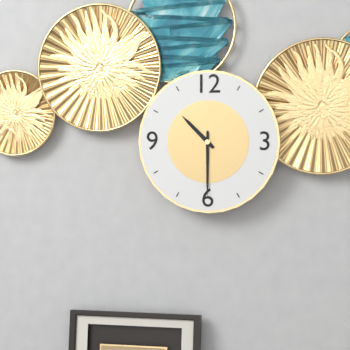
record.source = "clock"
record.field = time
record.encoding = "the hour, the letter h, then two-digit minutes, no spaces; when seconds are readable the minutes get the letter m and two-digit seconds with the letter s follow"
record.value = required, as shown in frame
10h30
